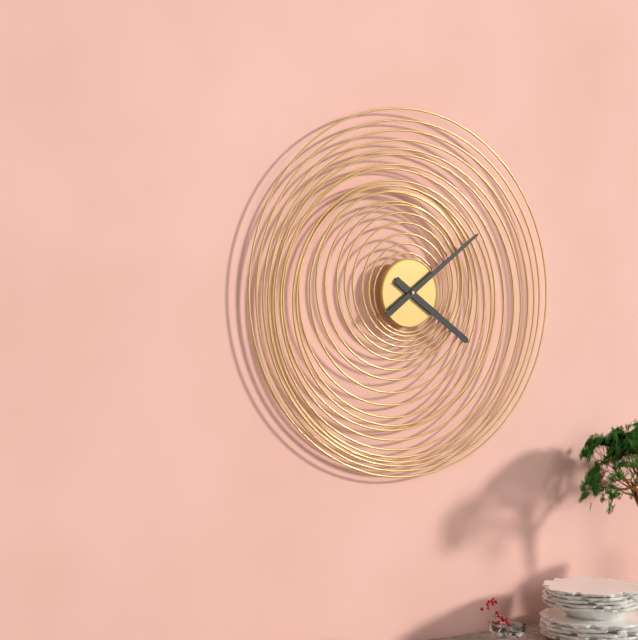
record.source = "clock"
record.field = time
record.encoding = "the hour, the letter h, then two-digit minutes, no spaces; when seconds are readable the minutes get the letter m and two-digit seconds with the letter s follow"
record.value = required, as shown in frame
4h09
